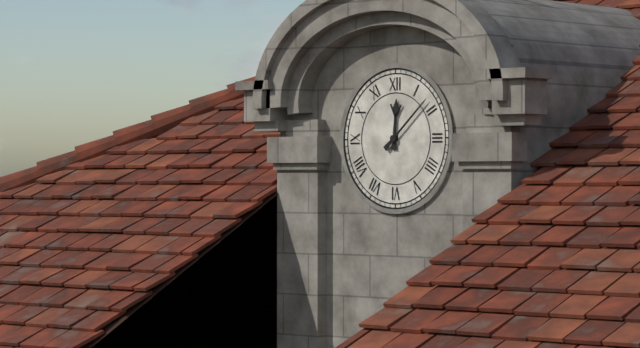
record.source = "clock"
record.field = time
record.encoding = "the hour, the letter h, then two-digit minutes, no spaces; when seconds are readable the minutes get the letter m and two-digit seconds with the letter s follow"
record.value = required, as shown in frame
12h08
